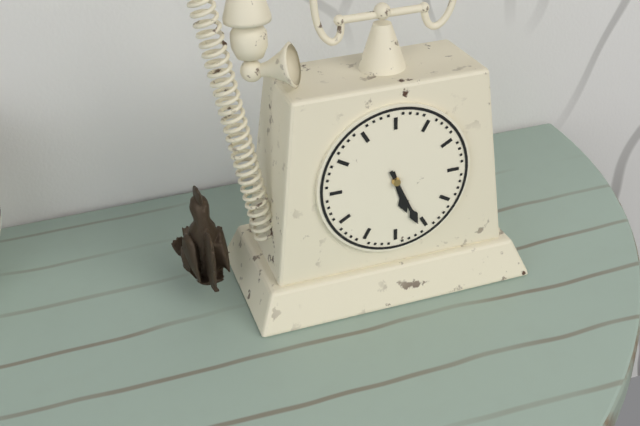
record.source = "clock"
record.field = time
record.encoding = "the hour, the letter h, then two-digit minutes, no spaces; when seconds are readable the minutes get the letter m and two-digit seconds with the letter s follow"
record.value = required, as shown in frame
5h26
